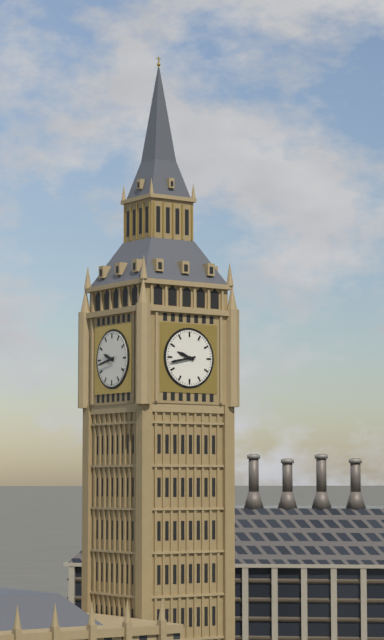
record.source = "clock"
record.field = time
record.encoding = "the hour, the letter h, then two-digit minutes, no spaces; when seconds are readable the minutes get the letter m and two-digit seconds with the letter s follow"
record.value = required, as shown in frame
9h43
